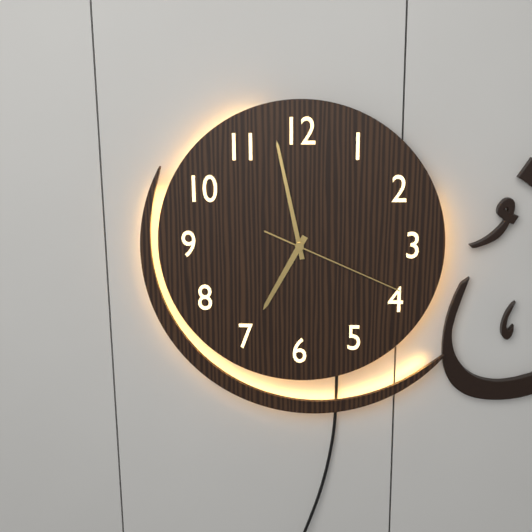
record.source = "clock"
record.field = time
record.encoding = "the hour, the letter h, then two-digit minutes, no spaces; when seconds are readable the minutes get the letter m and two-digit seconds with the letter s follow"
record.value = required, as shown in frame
6h58m19s
